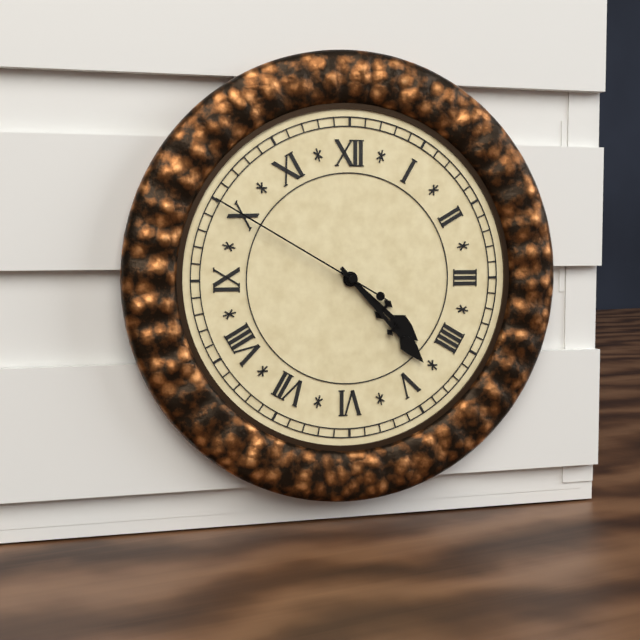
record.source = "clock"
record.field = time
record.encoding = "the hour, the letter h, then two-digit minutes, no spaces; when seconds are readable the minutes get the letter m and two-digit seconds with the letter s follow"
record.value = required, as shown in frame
4h23m50s
